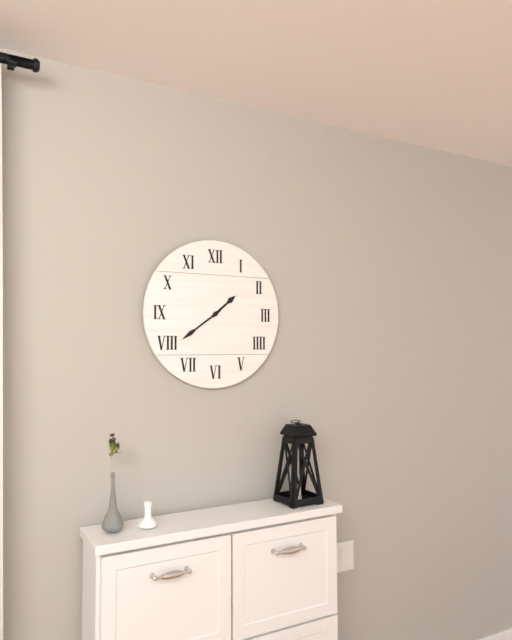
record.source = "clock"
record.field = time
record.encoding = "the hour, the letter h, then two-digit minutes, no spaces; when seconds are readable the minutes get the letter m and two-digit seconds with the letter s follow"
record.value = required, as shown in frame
1h39
